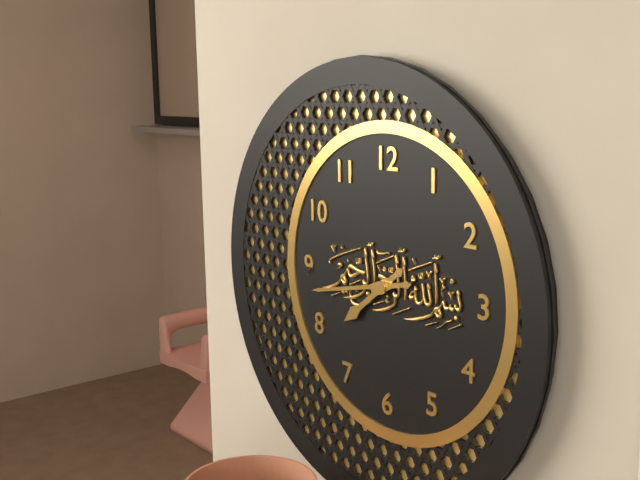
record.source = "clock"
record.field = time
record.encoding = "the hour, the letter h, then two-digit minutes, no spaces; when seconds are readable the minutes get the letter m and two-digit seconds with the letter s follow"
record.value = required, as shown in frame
7h43
